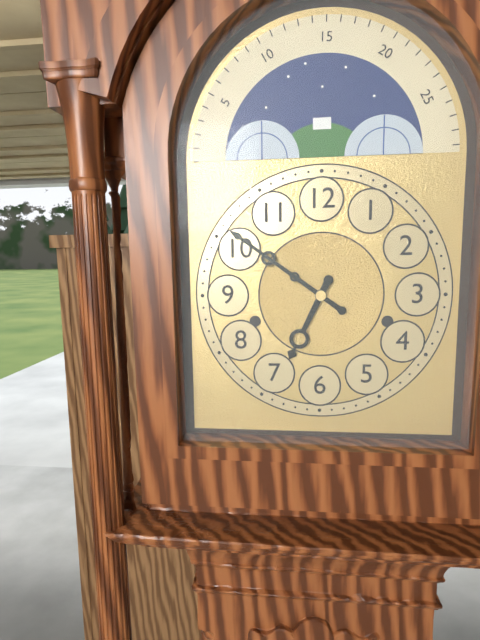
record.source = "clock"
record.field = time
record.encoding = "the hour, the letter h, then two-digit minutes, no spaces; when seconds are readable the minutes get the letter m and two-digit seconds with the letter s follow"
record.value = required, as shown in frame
6h51
